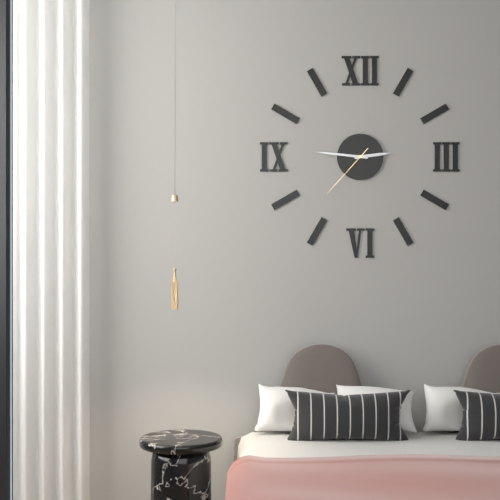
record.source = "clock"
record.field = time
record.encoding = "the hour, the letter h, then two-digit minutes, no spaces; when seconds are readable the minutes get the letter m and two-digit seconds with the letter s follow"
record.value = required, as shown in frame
2h46m37s
